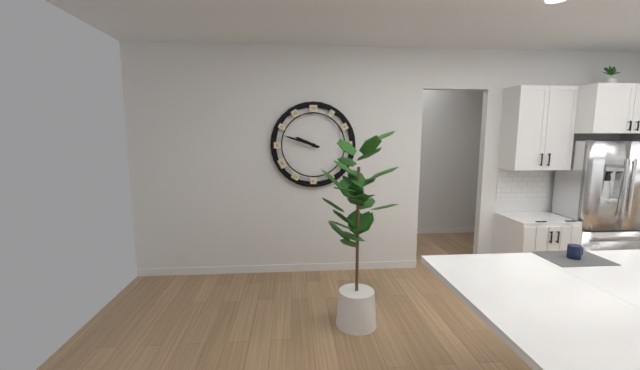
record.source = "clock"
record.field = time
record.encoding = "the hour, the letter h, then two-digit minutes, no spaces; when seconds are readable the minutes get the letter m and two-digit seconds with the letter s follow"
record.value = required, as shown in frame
9h48
